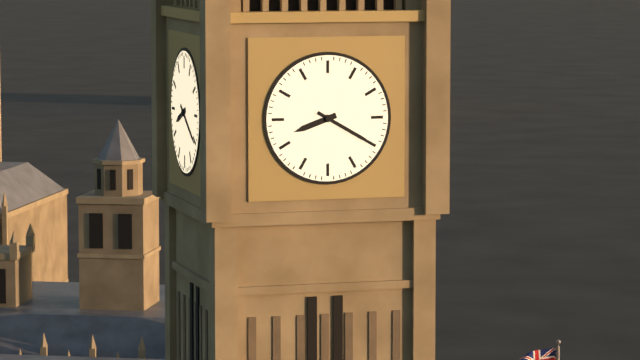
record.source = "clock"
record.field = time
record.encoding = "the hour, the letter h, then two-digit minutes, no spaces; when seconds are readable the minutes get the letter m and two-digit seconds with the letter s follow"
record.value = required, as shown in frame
8h20
